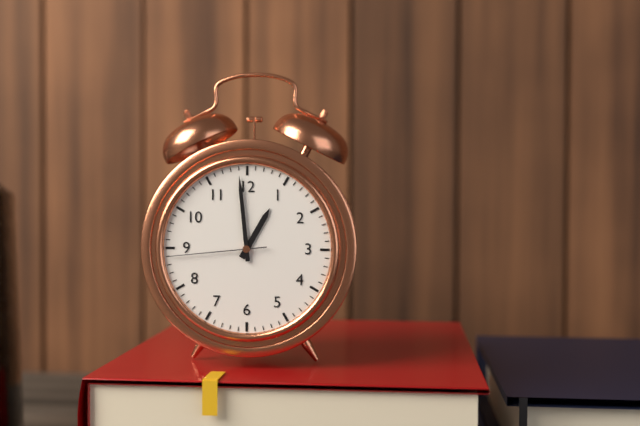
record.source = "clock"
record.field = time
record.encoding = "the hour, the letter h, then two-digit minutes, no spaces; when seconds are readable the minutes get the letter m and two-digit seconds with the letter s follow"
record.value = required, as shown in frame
12h59m44s
